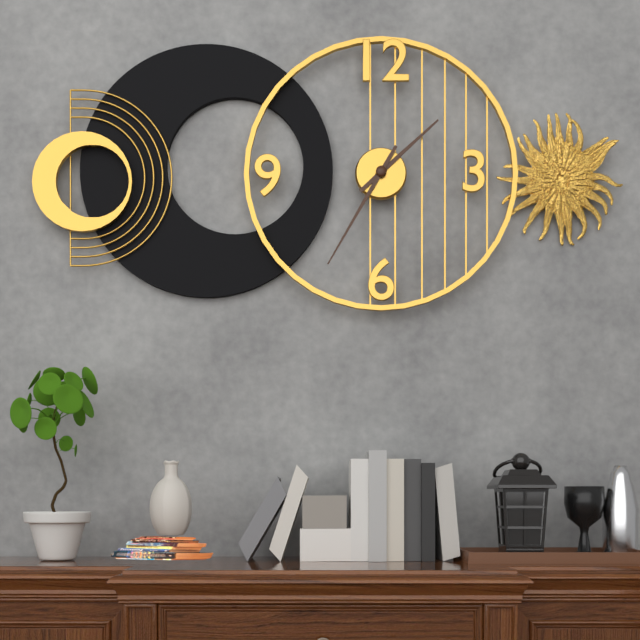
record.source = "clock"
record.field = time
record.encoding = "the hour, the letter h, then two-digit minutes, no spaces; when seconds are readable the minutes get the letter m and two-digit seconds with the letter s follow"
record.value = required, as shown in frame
1h35
